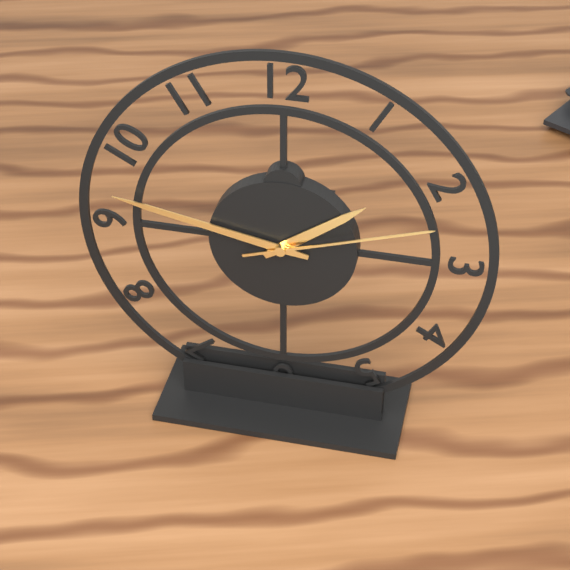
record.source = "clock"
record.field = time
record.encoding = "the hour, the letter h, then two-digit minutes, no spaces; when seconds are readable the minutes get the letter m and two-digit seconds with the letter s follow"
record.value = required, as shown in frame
1h47m12s
